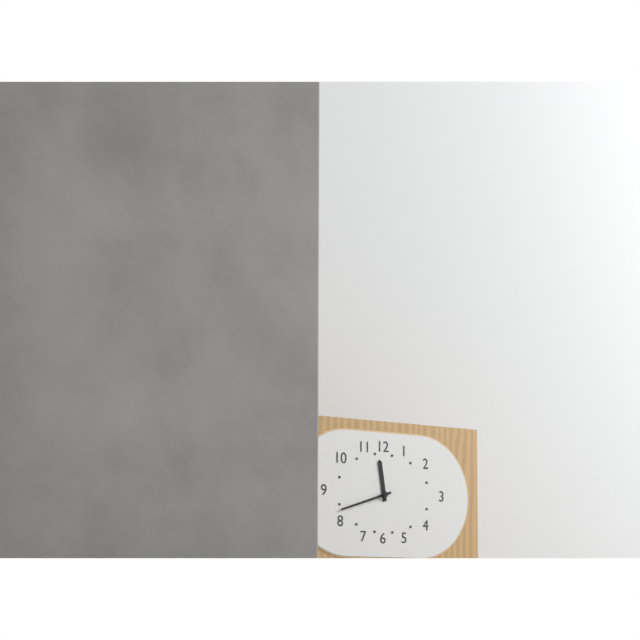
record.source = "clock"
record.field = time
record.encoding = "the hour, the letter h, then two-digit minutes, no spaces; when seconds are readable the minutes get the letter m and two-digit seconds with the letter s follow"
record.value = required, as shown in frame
11h42
